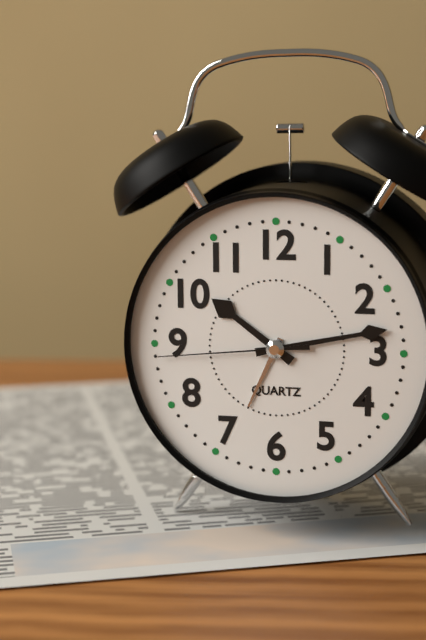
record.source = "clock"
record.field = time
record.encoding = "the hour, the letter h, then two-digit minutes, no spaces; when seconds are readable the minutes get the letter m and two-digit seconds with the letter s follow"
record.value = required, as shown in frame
10h13m44s
